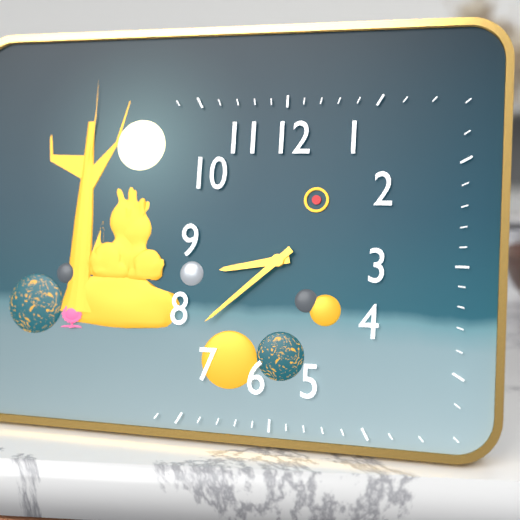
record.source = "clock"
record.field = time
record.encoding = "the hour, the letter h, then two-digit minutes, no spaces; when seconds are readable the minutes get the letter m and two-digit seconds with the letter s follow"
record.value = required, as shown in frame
8h38
